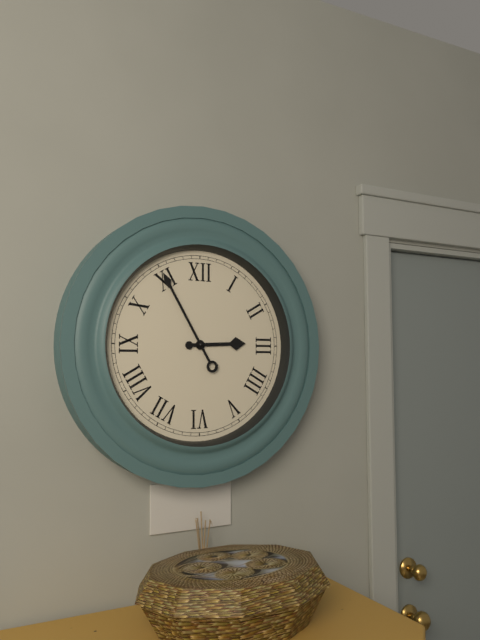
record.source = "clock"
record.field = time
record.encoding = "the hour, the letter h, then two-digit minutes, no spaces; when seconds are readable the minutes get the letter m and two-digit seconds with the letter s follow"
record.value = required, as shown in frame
2h55
